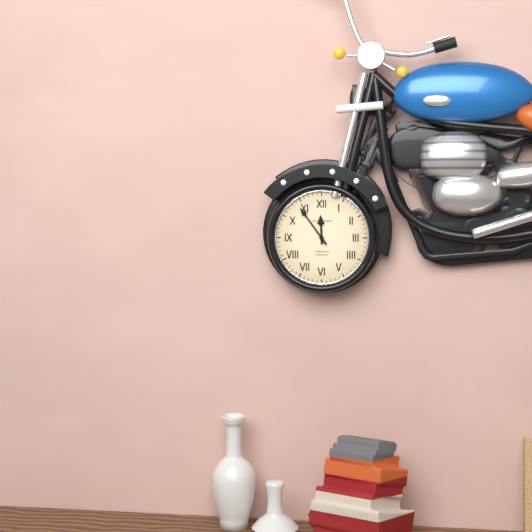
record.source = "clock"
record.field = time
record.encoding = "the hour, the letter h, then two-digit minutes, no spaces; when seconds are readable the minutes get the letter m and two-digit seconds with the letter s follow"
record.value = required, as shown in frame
11h54
